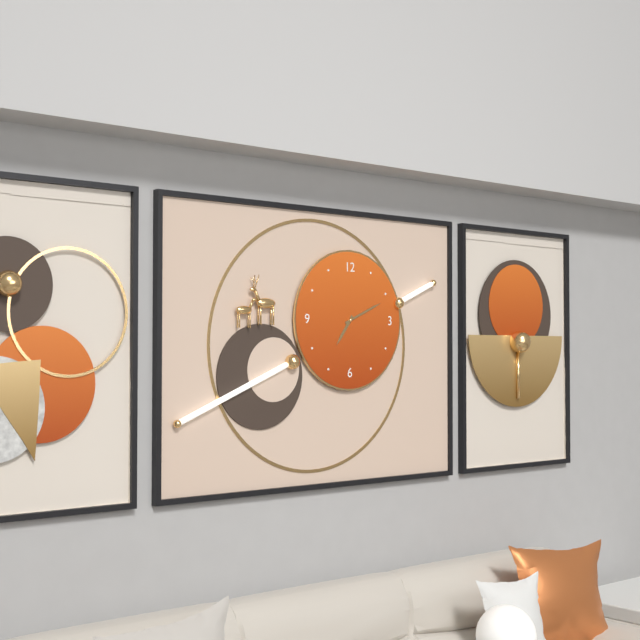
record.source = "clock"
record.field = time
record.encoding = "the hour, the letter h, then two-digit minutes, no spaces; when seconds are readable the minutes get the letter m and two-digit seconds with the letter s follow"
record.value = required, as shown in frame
7h11
